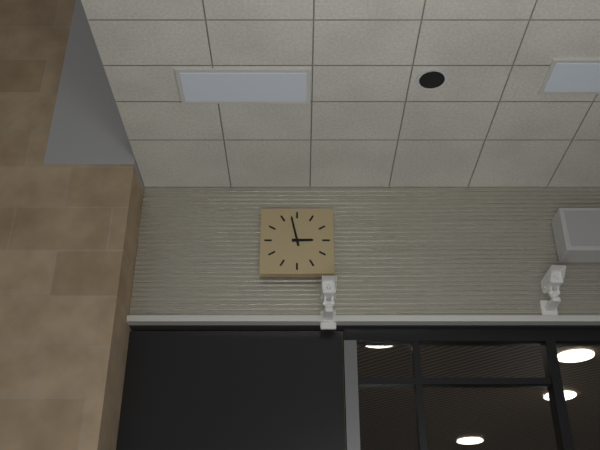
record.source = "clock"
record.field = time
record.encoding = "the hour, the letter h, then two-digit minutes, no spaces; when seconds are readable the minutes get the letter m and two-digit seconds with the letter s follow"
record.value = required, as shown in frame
2h58
